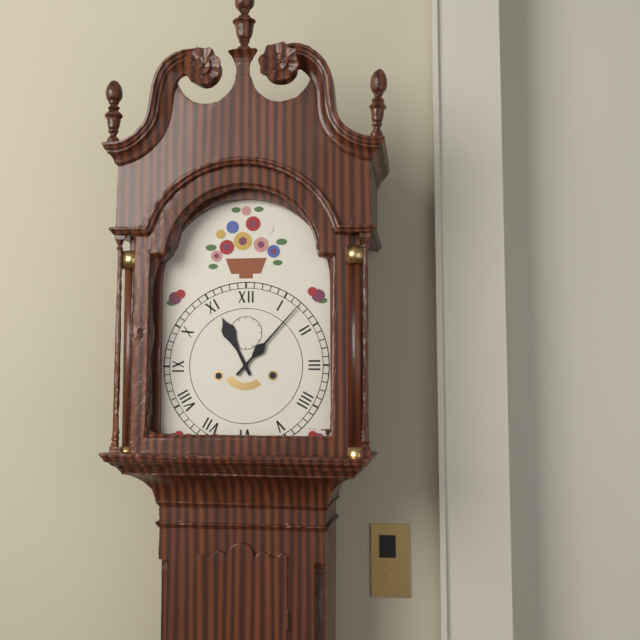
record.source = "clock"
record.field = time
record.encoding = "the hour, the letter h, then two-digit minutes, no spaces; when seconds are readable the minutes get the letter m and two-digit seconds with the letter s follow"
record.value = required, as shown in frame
11h07
